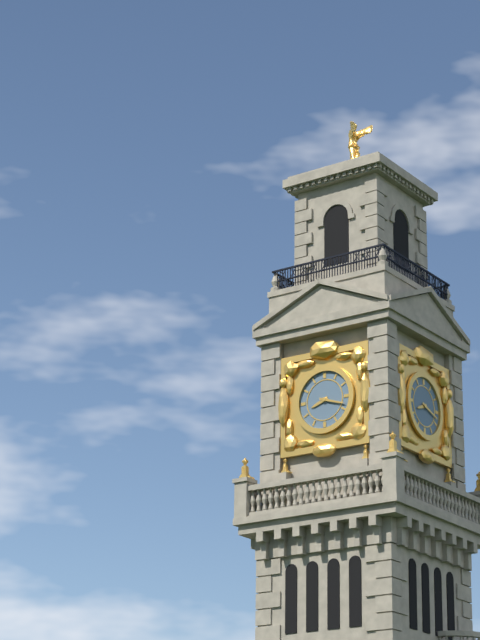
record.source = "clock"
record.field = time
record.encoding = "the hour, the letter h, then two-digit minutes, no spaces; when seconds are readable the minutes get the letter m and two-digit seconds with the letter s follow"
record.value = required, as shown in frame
8h18
